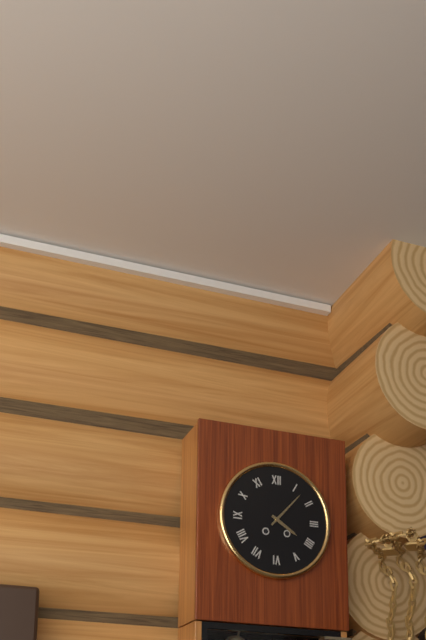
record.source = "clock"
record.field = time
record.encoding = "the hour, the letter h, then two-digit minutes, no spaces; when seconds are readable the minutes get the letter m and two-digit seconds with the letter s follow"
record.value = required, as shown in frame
4h07
